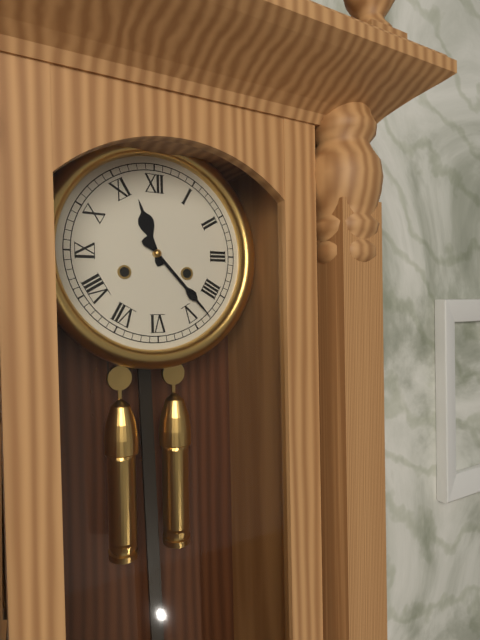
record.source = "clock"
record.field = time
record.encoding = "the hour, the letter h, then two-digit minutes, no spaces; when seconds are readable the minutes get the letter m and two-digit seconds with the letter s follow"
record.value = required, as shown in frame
11h23
